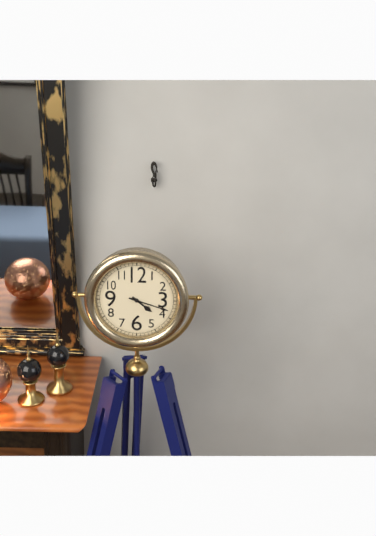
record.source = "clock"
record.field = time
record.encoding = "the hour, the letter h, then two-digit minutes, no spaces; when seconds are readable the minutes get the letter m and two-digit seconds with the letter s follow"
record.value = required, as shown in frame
4h18
